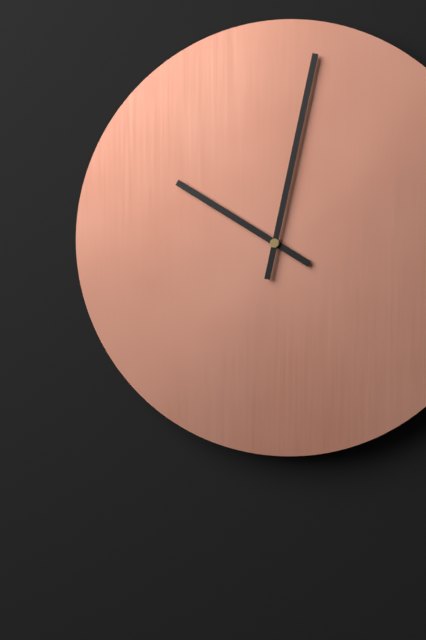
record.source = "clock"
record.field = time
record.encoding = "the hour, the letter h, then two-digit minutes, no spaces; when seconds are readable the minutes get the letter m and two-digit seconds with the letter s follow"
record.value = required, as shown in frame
10h02
